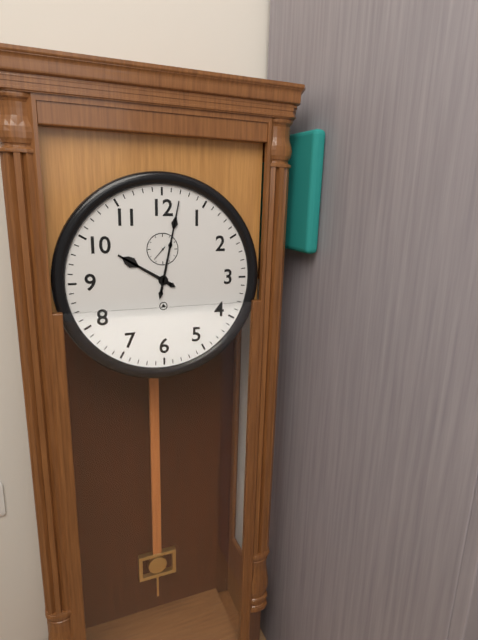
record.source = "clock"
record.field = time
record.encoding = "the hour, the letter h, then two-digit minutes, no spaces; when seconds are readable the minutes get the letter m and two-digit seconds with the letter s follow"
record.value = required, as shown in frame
10h02
